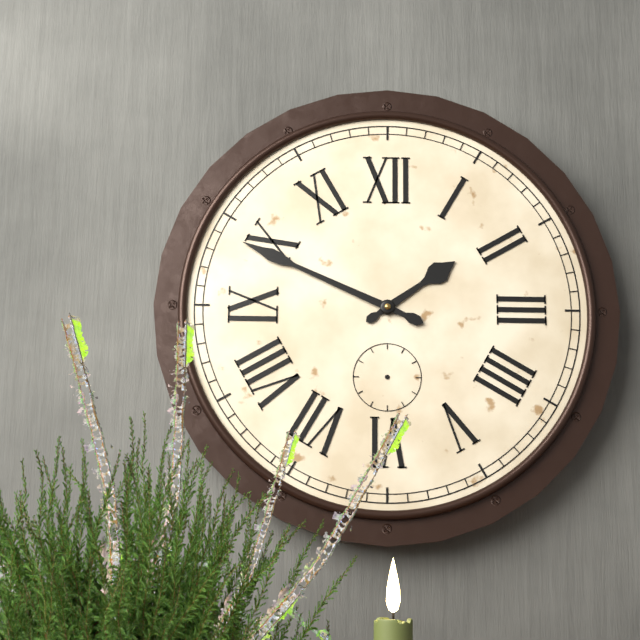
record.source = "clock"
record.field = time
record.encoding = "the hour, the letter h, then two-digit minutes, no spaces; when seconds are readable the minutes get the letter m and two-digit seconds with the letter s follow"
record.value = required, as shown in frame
1h49
